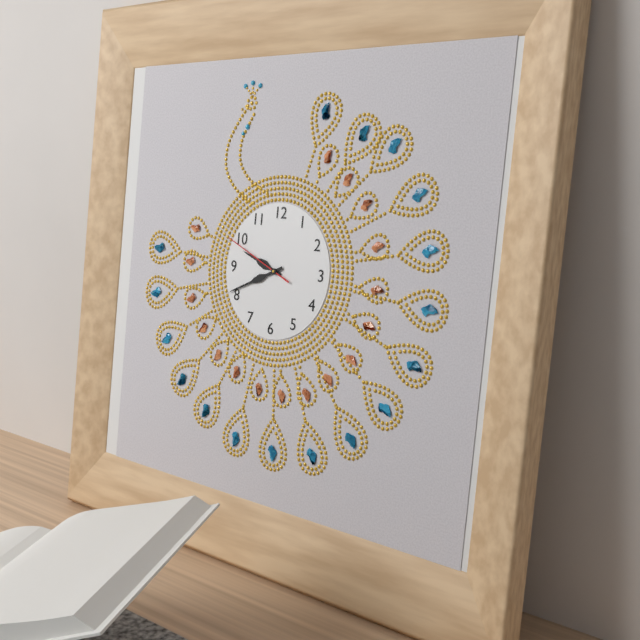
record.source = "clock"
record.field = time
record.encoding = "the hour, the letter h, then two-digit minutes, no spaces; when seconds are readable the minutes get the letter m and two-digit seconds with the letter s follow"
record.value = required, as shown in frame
9h41m49s
